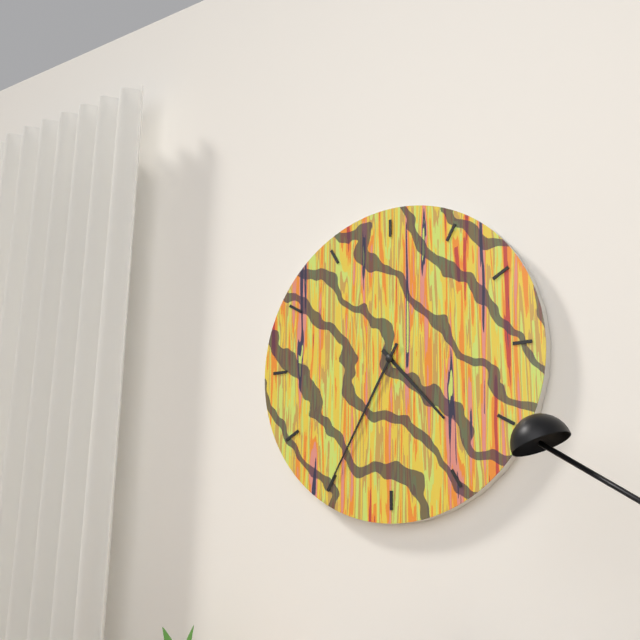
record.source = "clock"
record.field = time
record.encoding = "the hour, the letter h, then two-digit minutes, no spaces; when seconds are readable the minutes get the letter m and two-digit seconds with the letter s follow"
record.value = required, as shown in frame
4h35
